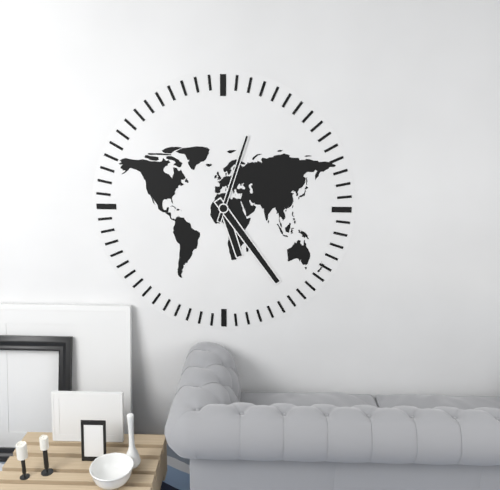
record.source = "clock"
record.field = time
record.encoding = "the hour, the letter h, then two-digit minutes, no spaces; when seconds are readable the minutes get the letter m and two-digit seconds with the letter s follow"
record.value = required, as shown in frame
5h24m03s
